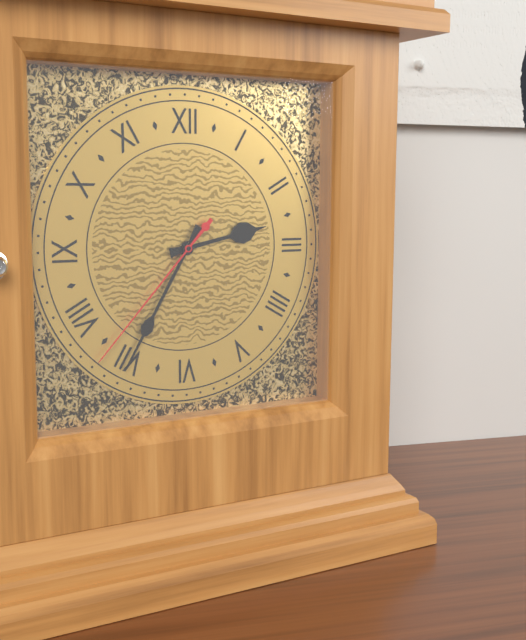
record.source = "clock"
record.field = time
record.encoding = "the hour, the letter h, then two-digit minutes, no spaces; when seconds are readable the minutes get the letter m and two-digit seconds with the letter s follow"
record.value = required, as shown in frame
2h35m37s
